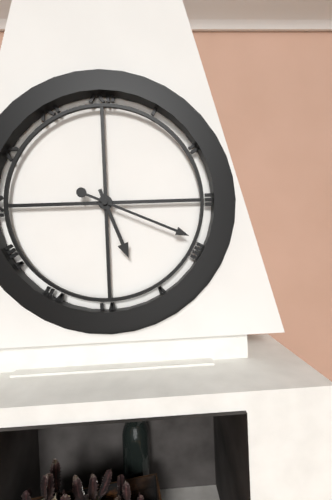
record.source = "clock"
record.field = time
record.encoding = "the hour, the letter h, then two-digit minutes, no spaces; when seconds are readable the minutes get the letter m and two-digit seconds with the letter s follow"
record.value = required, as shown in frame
5h19
